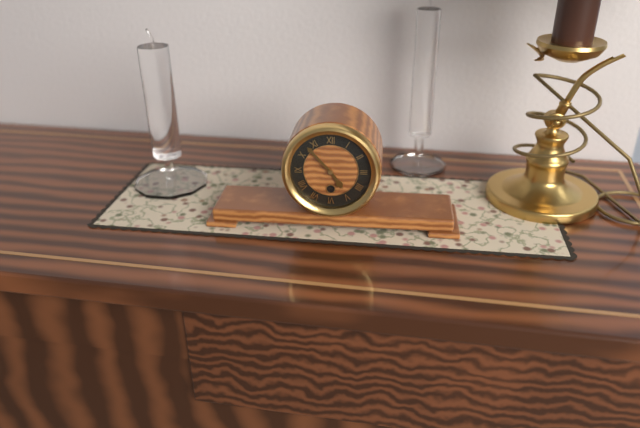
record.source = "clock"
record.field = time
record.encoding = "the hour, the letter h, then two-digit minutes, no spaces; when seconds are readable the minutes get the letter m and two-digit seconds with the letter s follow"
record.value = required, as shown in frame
4h53
